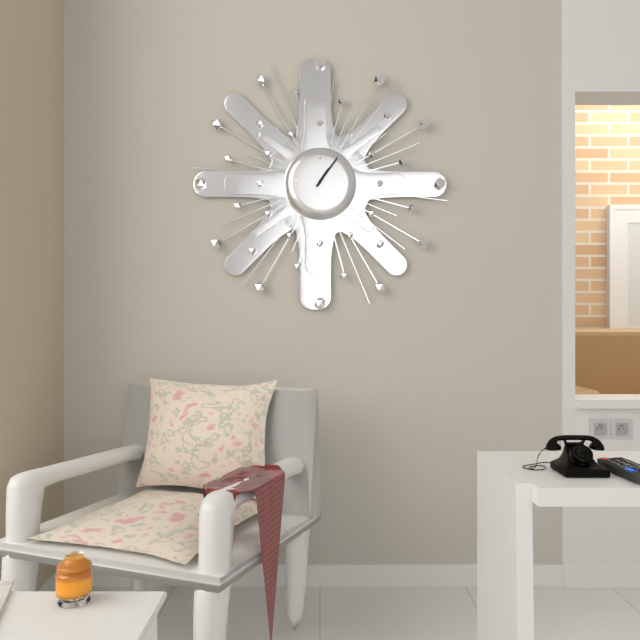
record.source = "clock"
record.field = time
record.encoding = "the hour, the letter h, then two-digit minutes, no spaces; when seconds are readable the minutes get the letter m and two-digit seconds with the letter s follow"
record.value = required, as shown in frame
1h06
